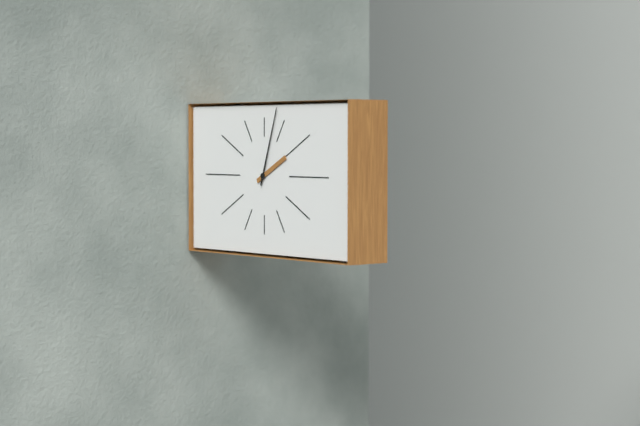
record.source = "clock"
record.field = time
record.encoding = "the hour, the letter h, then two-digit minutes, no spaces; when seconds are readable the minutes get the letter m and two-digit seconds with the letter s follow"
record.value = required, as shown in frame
2h03
